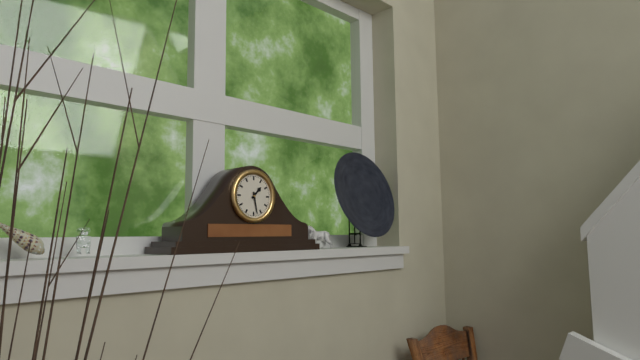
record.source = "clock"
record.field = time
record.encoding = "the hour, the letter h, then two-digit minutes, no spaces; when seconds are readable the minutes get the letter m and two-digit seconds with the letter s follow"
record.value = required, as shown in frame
1h28
